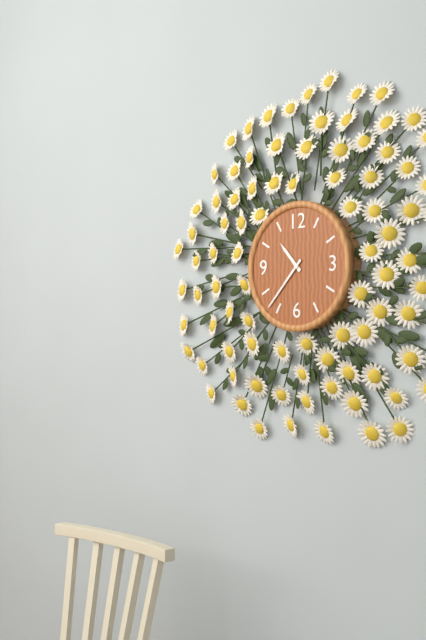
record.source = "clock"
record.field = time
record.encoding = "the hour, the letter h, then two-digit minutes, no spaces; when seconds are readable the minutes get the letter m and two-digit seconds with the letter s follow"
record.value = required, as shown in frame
10h37
